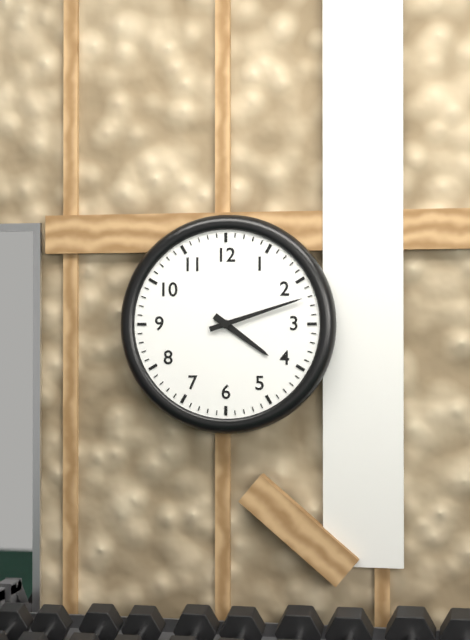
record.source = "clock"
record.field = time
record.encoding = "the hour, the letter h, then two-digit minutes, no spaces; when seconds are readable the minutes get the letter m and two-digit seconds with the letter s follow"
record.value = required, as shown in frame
4h12
